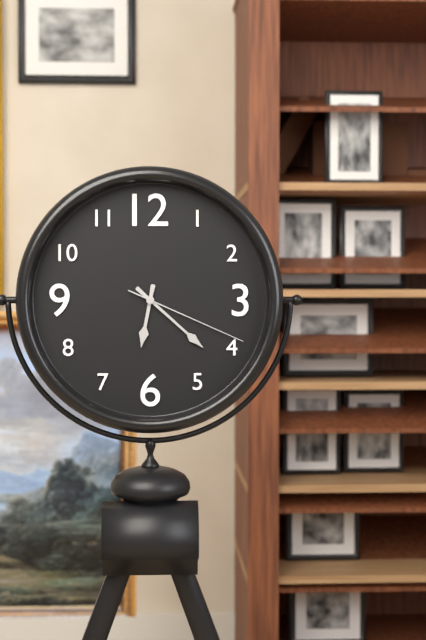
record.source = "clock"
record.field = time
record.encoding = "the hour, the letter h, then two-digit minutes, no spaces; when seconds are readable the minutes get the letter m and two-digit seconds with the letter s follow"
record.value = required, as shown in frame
6h22m19s
